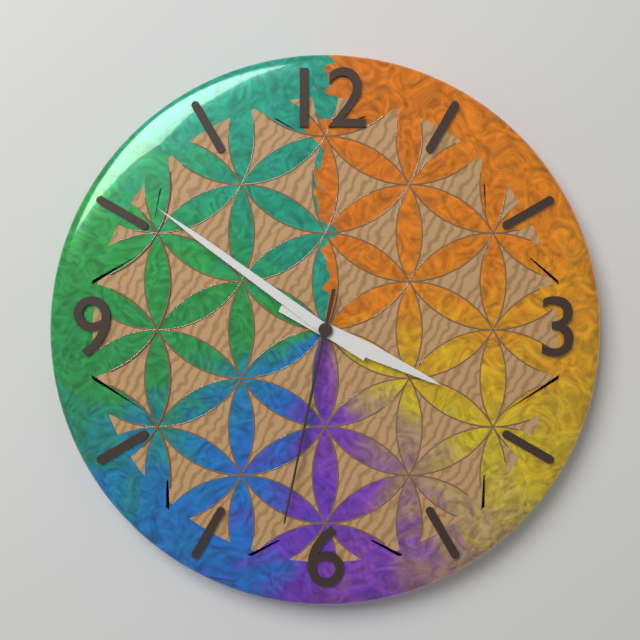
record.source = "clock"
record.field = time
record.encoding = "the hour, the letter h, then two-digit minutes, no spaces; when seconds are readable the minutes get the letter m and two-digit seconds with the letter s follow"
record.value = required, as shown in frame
3h51m32s
